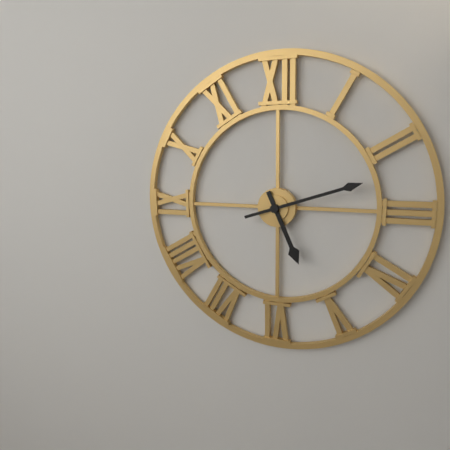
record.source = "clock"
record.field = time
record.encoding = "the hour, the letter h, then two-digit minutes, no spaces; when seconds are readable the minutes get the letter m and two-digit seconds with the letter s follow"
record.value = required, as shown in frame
5h12
